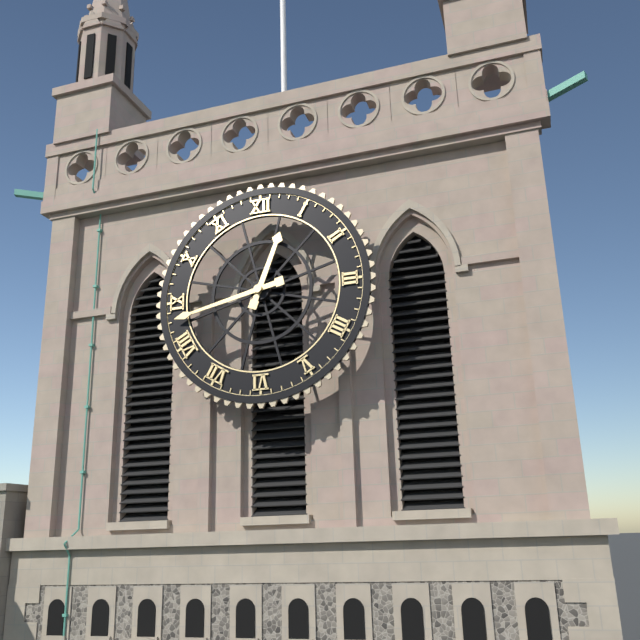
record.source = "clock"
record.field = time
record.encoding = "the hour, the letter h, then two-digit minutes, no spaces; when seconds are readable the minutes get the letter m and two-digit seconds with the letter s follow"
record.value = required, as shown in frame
12h43
